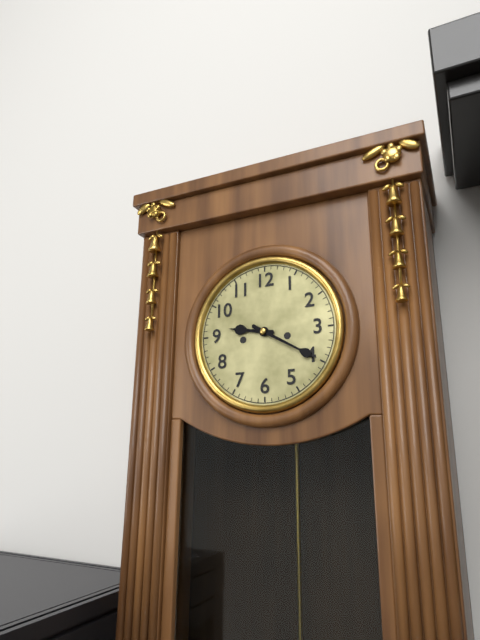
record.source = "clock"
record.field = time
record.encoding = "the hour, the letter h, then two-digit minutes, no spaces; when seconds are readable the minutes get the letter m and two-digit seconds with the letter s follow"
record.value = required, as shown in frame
9h20
